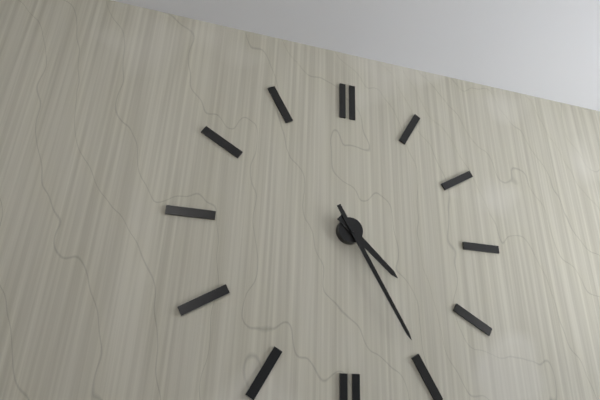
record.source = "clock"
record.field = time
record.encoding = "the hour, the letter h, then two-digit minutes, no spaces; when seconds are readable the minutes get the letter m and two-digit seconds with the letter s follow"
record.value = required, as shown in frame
4h25
